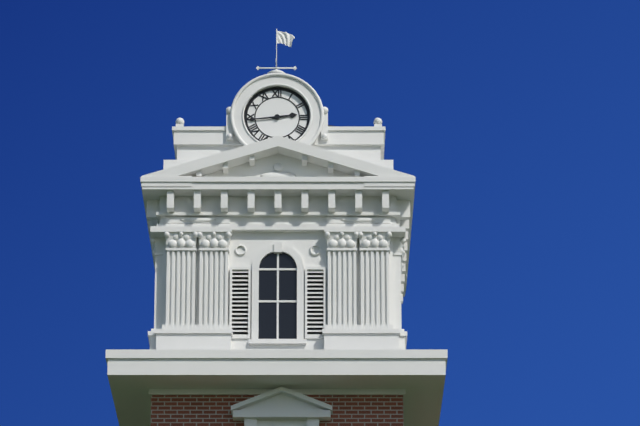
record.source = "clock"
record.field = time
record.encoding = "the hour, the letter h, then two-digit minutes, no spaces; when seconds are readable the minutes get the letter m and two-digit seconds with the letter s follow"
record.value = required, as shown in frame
2h44
